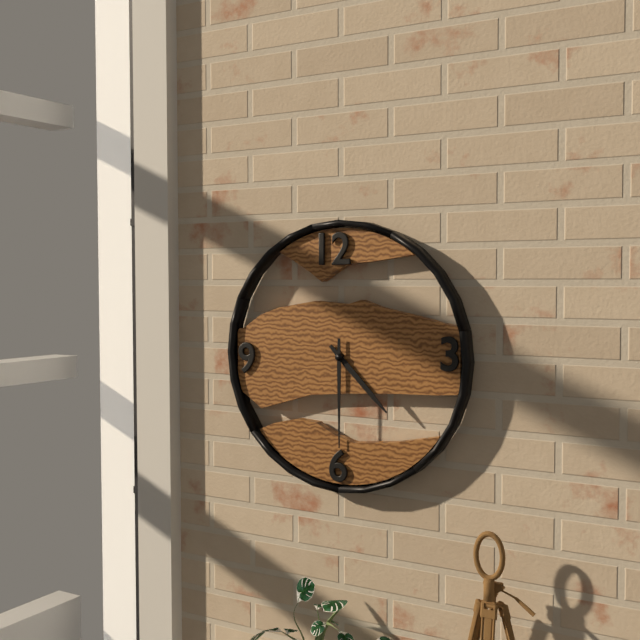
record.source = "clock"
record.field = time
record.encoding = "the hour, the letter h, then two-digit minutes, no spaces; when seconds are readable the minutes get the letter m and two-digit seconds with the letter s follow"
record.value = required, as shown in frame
4h30
